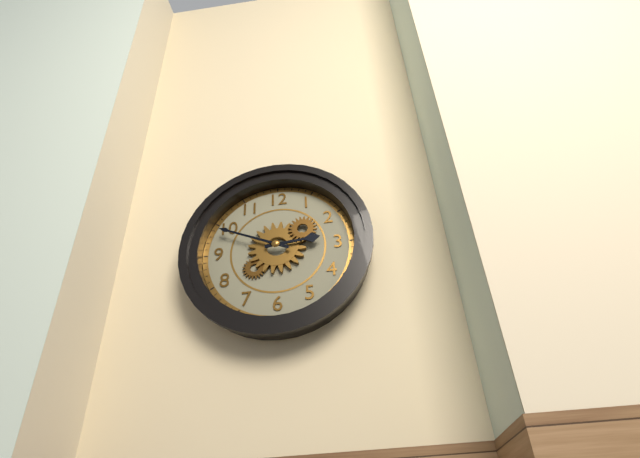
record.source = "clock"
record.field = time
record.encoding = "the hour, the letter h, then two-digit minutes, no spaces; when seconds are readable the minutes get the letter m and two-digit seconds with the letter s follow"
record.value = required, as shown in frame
2h49
